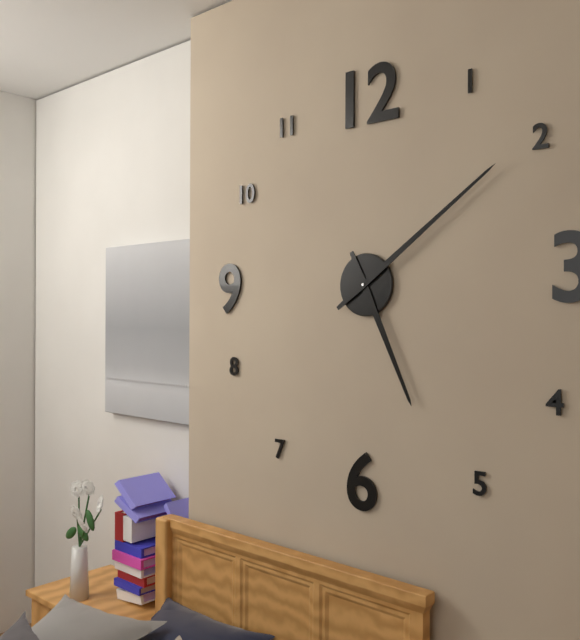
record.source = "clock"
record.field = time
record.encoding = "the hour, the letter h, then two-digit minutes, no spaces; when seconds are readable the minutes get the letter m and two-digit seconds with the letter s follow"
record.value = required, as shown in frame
5h09
